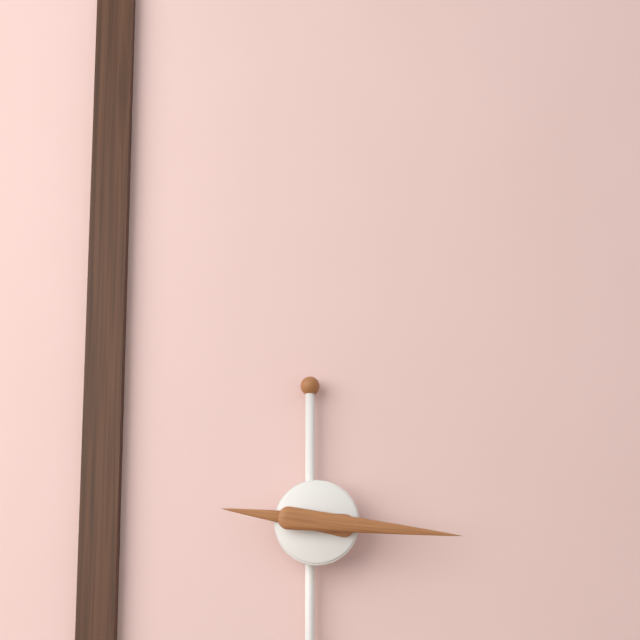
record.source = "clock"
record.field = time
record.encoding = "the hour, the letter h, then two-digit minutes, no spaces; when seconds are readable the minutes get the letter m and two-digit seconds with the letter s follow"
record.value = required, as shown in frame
9h16
